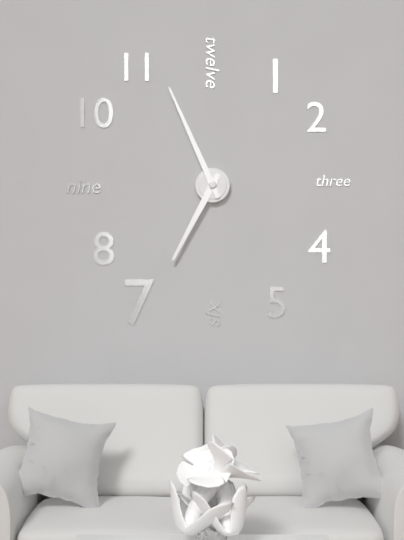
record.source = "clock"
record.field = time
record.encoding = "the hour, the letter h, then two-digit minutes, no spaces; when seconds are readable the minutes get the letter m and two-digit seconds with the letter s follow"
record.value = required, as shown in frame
6h56
